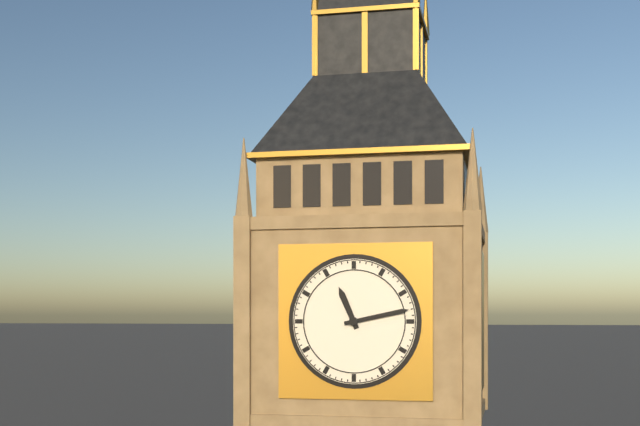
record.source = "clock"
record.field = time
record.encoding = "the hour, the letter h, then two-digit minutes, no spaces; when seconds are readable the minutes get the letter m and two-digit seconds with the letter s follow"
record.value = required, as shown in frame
11h13
